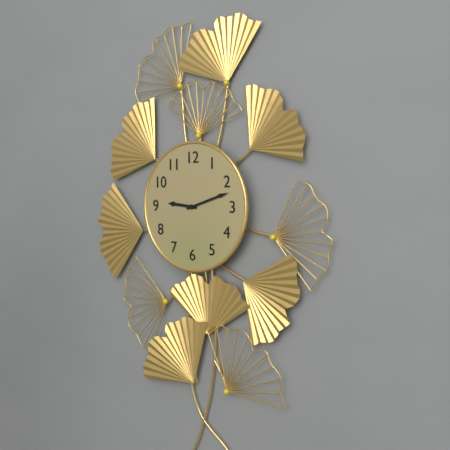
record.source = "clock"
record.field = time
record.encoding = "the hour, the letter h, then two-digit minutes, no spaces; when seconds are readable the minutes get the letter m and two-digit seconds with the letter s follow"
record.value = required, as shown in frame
9h12
